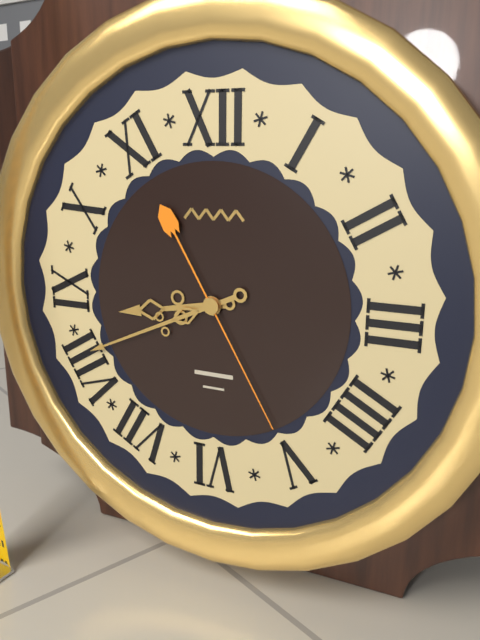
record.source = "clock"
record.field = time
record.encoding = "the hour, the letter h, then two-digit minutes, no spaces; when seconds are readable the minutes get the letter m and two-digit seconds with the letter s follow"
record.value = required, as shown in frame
8h41m25s
